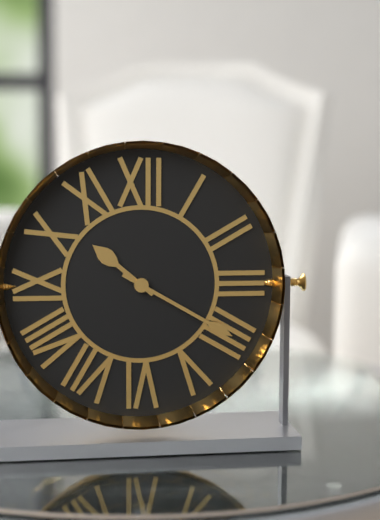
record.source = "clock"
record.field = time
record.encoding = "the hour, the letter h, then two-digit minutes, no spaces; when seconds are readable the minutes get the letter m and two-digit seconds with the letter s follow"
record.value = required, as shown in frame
10h20
